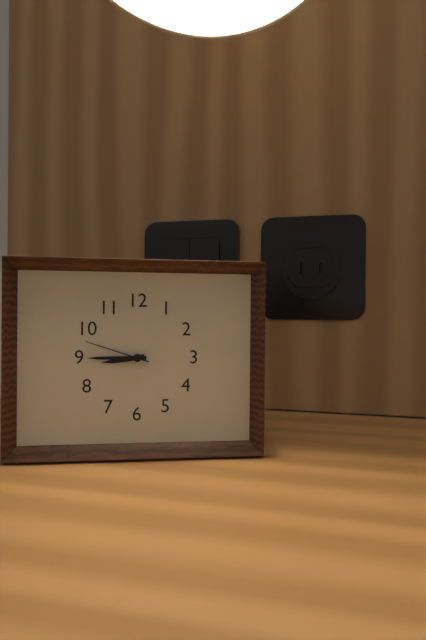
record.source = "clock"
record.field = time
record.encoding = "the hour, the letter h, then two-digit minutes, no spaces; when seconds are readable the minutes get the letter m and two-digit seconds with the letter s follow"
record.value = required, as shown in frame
8h45m48s
